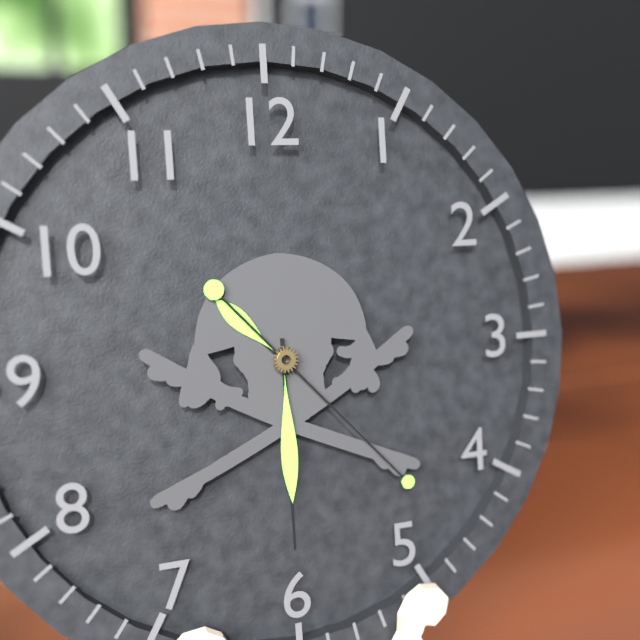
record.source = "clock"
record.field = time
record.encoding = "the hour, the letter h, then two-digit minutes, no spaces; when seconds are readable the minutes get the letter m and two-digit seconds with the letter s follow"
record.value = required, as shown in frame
10h30m23s
